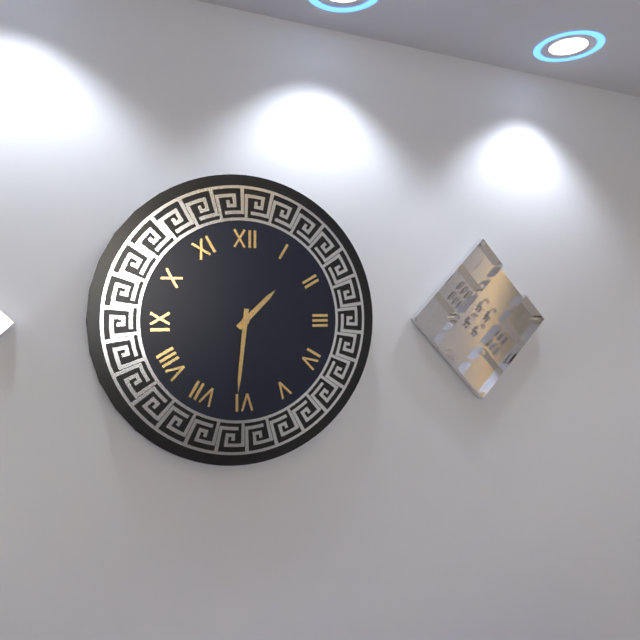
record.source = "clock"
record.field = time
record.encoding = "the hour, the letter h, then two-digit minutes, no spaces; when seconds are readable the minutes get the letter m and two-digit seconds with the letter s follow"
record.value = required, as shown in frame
1h31
